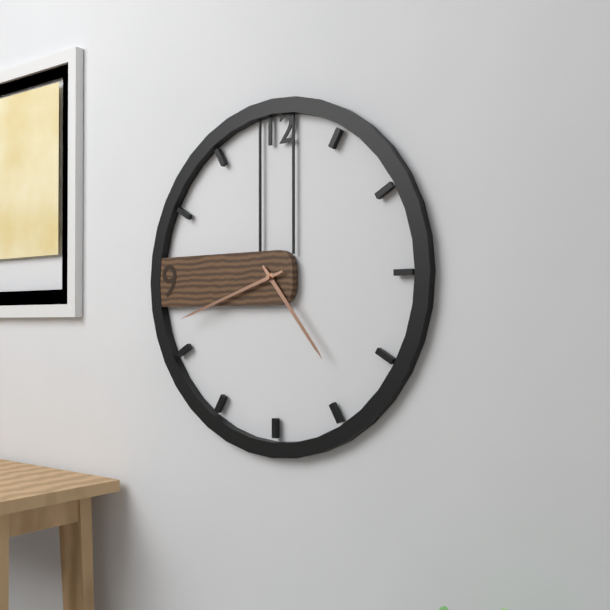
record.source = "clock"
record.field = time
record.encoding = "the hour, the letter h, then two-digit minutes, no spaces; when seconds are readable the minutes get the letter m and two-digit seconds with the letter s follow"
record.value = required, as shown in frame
4h42
